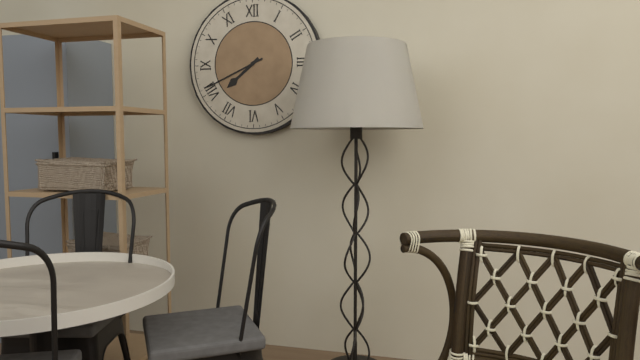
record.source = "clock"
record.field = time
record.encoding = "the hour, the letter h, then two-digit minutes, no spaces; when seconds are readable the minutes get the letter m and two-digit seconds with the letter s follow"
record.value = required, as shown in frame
7h41
